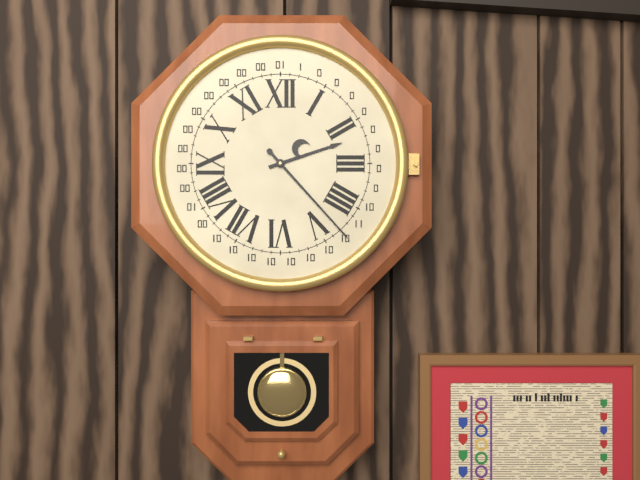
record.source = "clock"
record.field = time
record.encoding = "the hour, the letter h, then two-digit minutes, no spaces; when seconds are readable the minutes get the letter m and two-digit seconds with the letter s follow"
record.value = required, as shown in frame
2h23
